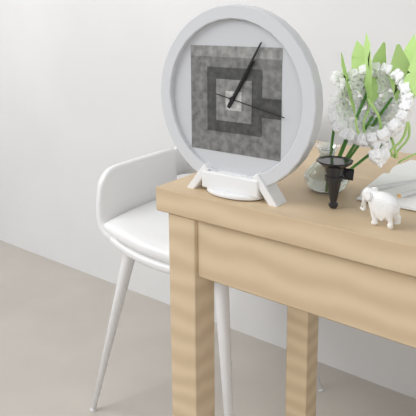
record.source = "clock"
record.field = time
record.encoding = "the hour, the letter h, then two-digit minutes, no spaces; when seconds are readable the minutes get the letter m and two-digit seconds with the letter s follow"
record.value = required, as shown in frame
1h05m17s
